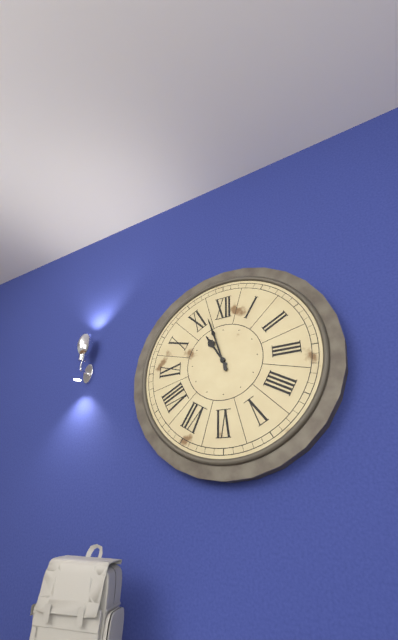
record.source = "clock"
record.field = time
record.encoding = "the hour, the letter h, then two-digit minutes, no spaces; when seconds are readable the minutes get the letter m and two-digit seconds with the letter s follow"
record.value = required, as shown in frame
10h57
